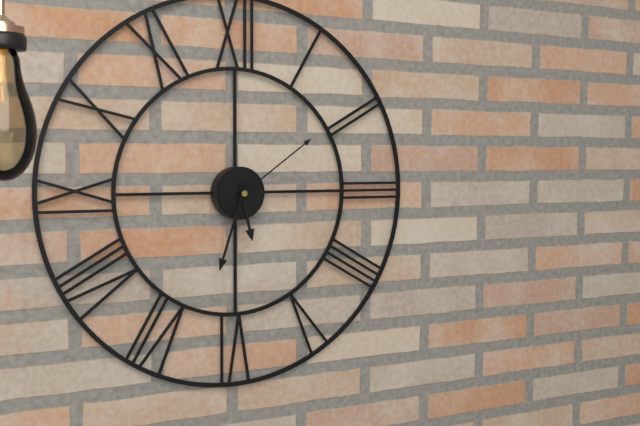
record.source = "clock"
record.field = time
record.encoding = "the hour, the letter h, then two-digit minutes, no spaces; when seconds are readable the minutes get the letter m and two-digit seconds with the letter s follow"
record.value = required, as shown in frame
5h33m09s
